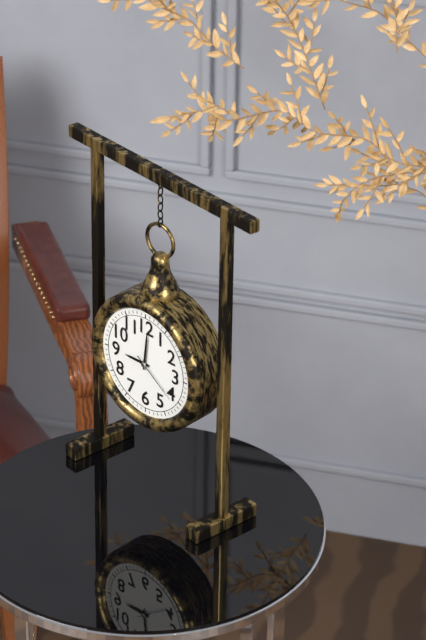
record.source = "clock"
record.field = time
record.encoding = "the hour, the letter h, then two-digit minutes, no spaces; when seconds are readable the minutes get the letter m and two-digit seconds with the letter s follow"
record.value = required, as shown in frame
9h01m21s
